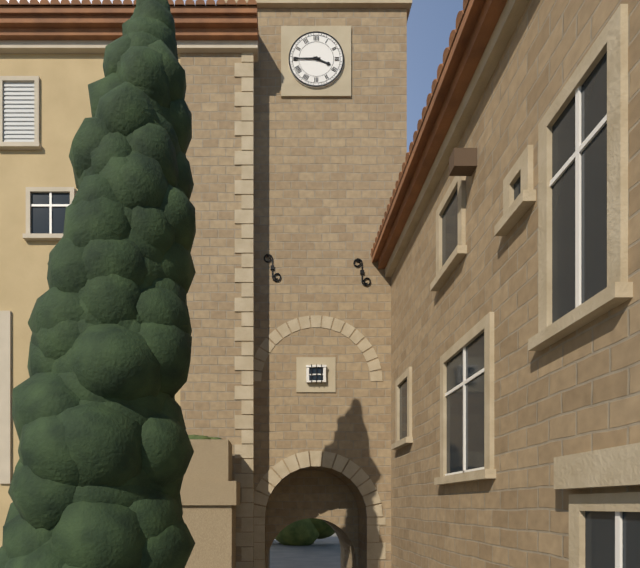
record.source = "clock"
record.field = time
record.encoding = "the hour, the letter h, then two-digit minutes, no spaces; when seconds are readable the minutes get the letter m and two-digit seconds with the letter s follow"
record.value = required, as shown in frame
3h45
